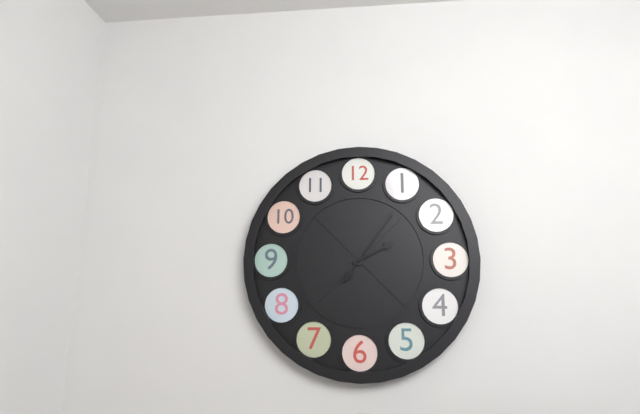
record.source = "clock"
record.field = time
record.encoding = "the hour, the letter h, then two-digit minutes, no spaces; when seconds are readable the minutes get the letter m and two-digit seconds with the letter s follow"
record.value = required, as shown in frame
2h06
